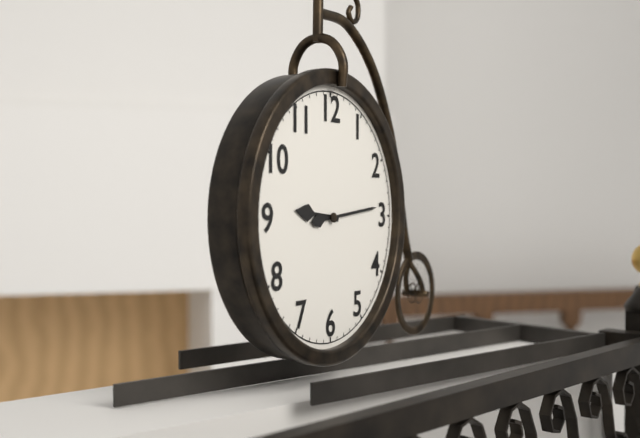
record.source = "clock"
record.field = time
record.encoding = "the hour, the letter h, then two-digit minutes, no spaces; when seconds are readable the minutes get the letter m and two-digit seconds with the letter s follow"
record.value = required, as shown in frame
9h14
